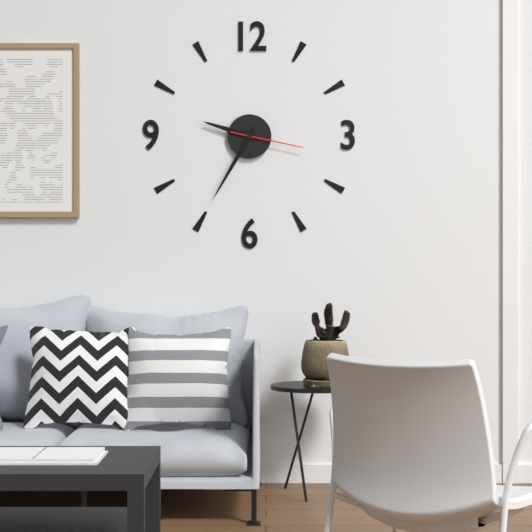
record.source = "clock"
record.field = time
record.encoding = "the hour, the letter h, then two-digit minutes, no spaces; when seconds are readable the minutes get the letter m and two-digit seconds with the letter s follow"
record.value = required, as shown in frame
9h35m17s
